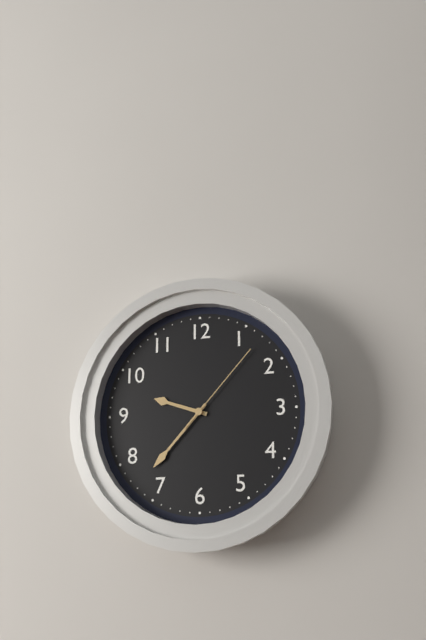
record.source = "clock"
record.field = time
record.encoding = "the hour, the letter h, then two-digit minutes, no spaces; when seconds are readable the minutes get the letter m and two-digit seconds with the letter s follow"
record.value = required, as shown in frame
9h37m07s
